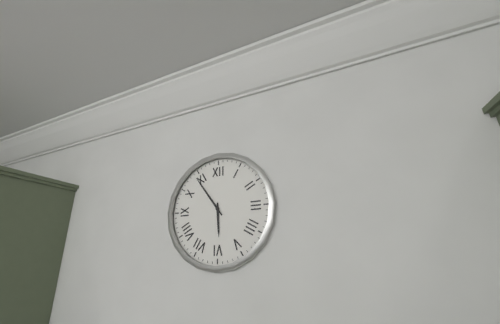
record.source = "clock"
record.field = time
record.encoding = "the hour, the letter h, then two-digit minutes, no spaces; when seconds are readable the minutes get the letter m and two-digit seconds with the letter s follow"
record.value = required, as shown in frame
5h54
